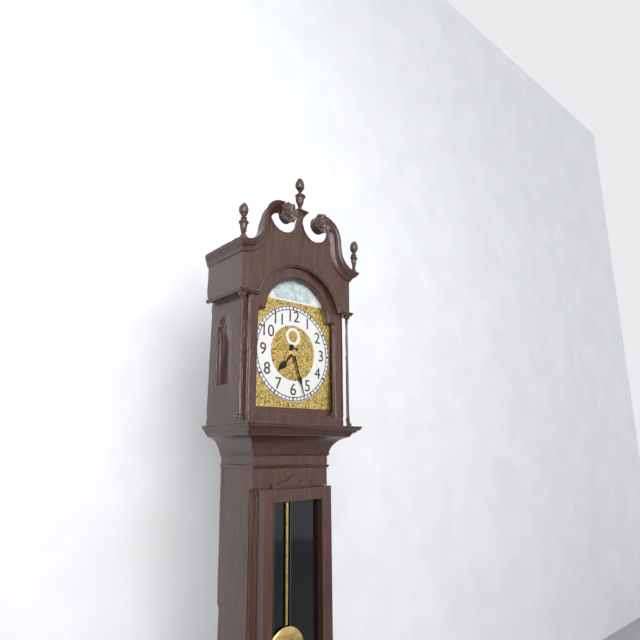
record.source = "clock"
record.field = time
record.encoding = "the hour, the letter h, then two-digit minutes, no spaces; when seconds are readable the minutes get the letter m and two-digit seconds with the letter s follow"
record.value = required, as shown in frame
7h27
